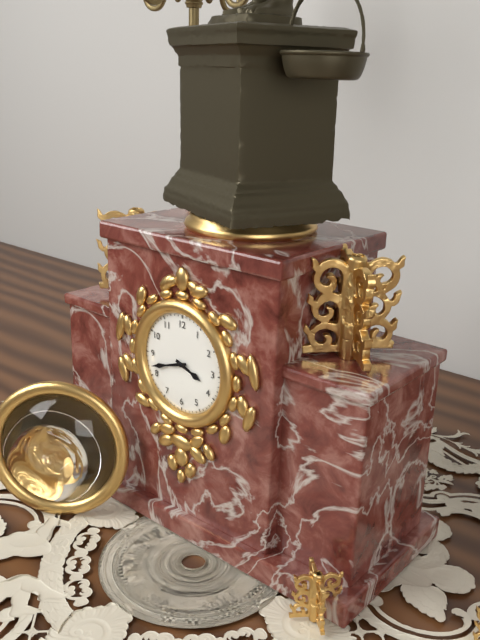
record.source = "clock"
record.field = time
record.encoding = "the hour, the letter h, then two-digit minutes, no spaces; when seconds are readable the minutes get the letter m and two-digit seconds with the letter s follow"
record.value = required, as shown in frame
3h42
